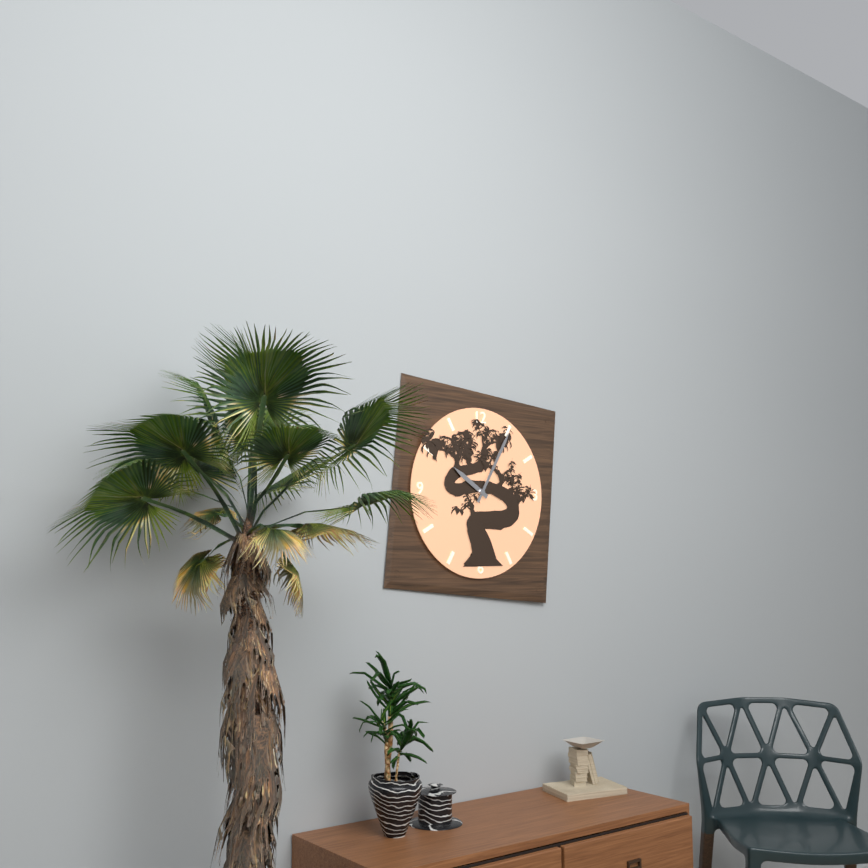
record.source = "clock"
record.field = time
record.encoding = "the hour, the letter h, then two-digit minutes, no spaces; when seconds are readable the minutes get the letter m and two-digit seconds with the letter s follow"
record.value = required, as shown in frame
10h05
